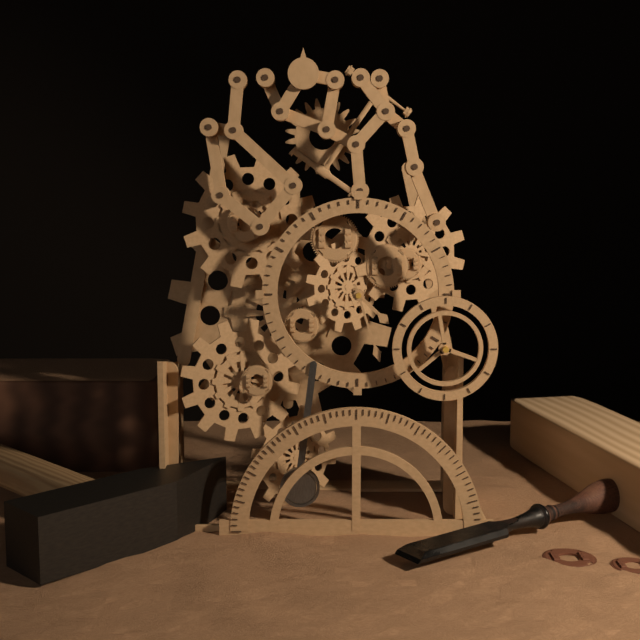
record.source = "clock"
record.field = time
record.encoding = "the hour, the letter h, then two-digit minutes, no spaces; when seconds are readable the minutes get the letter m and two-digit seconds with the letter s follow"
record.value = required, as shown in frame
4h27
